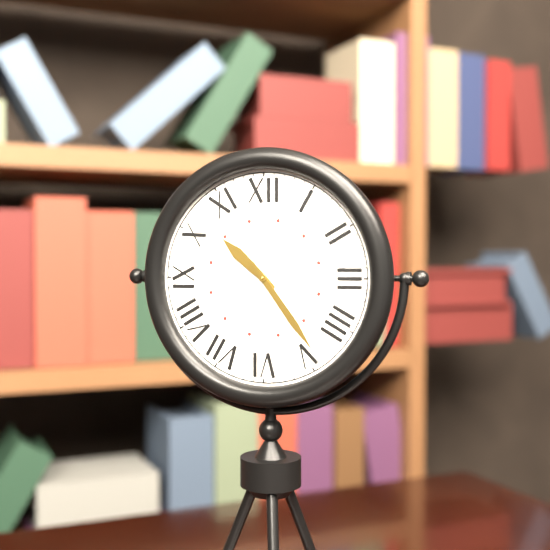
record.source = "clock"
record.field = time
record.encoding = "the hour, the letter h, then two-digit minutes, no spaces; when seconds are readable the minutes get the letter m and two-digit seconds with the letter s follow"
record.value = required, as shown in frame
10h24
